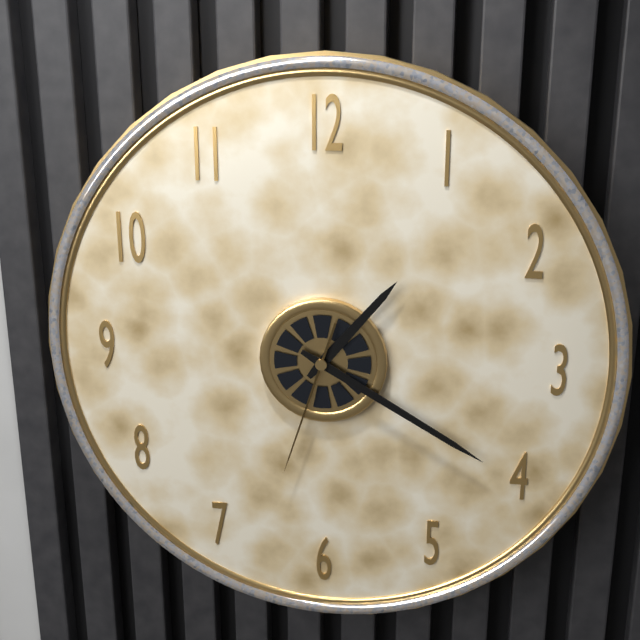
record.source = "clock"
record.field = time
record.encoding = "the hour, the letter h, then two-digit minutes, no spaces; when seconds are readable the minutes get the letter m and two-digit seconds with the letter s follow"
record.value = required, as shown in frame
1h20m33s
